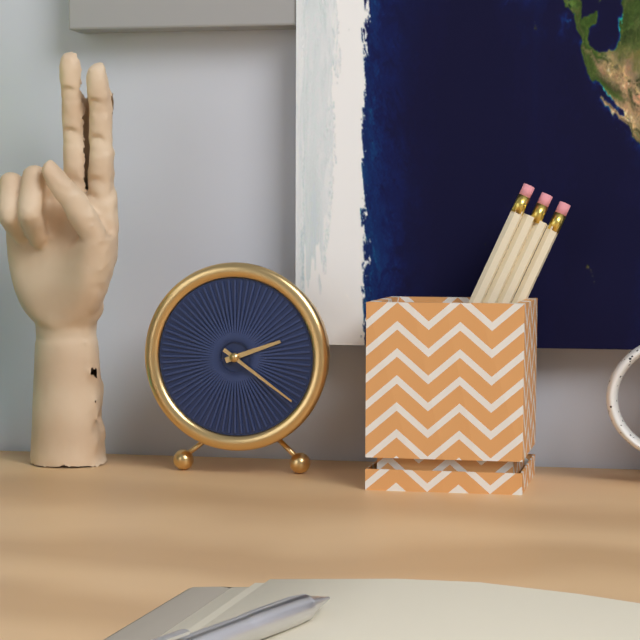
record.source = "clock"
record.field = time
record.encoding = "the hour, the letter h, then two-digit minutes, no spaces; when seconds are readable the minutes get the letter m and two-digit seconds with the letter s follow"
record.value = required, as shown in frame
2h21
